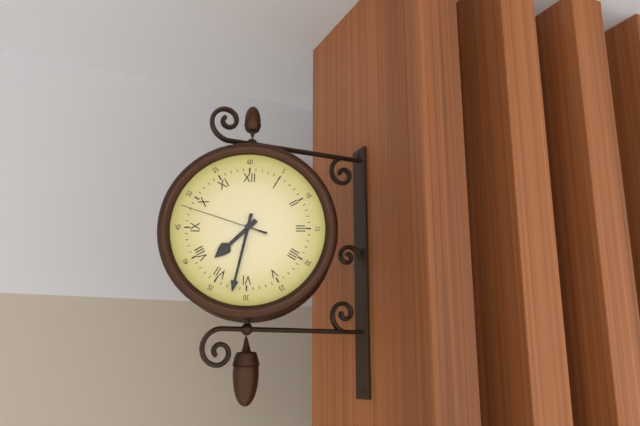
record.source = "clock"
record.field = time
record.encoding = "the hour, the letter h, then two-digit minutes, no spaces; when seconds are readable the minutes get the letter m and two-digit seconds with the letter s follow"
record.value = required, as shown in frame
7h32m48s
